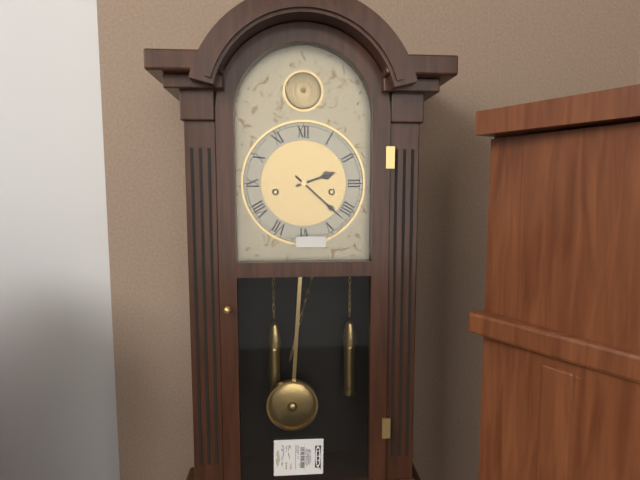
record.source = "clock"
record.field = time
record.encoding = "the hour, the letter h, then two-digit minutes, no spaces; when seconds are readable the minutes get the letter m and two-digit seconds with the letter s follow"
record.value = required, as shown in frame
2h22
